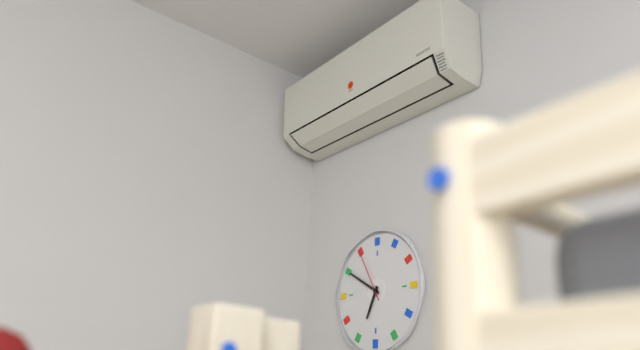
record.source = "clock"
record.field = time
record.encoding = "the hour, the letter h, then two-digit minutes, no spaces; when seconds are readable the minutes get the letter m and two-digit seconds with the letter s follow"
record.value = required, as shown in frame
6h50m55s
